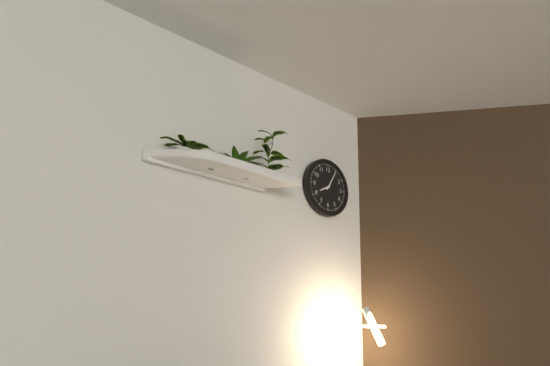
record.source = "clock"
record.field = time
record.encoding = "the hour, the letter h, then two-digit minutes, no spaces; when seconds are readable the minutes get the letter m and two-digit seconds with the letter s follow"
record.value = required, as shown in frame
8h05
